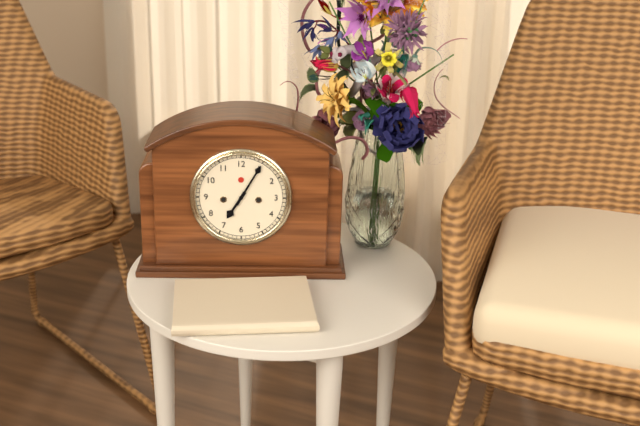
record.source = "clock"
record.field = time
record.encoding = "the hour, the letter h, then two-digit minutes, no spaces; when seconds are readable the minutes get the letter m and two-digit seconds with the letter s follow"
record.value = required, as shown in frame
7h05
